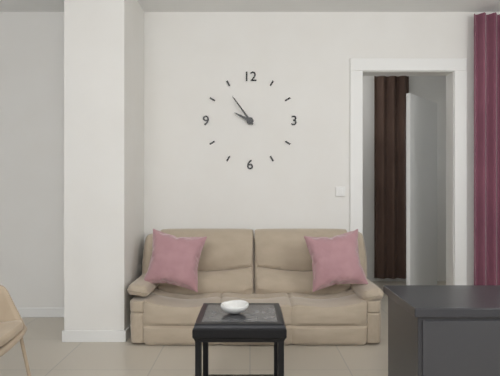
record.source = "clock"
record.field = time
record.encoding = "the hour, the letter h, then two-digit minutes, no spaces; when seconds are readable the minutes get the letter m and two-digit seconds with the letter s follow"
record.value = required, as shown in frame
9h54
